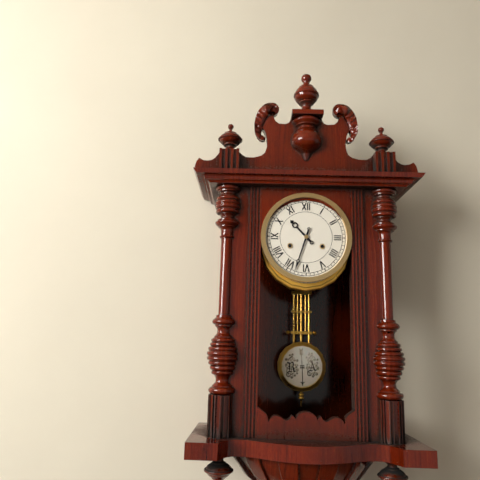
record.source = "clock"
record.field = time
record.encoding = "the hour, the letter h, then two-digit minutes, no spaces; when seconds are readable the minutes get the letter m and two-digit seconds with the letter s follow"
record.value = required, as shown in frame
10h33
